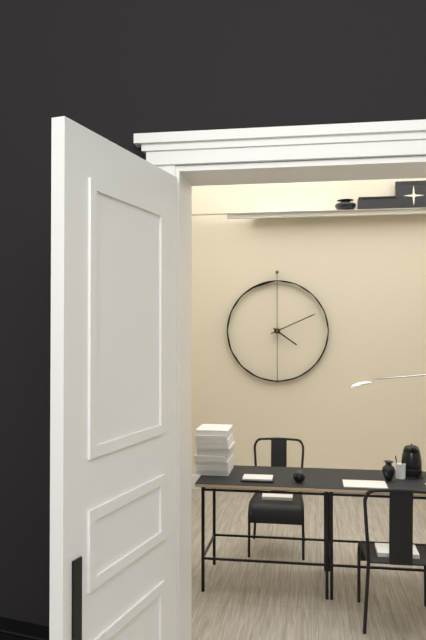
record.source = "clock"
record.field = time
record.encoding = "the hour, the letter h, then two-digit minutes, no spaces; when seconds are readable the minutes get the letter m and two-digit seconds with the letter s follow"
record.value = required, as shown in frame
4h11
